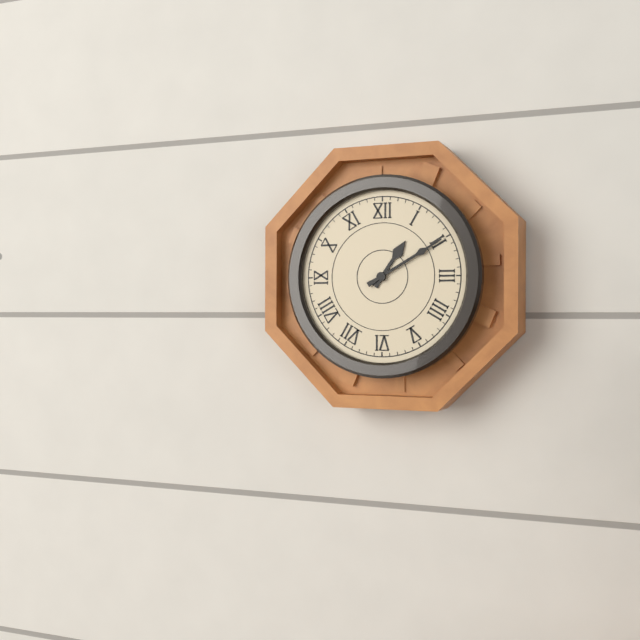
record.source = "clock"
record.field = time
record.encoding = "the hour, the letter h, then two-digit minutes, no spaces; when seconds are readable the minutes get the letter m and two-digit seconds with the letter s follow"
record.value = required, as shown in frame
1h10
